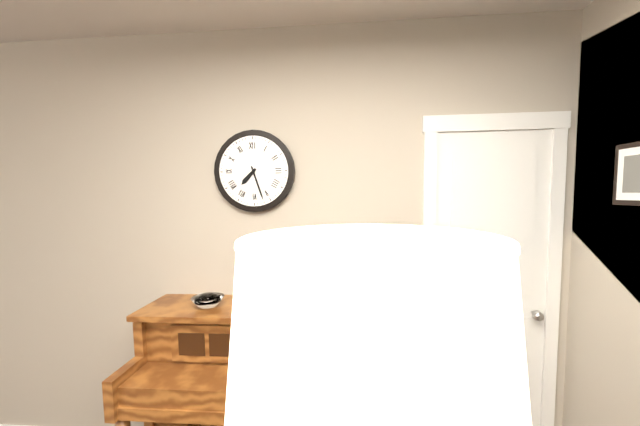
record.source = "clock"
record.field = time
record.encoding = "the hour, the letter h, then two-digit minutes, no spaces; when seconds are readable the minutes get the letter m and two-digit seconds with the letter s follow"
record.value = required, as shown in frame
7h27
